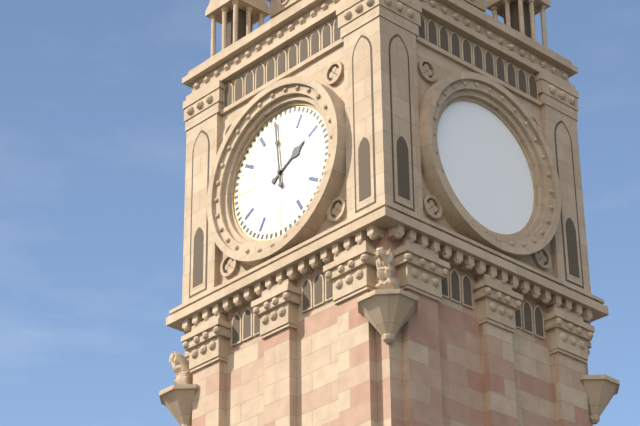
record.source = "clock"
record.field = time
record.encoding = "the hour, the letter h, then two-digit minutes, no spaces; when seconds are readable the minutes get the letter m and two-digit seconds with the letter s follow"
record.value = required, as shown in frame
1h59
